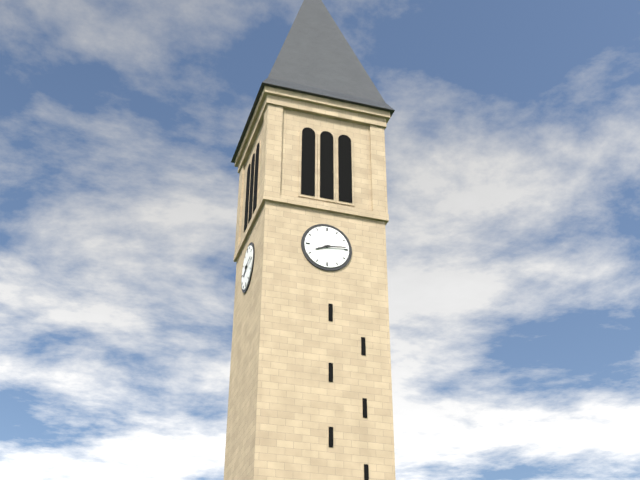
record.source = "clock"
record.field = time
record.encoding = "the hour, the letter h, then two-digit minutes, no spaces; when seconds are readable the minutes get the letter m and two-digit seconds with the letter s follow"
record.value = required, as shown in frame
8h14
